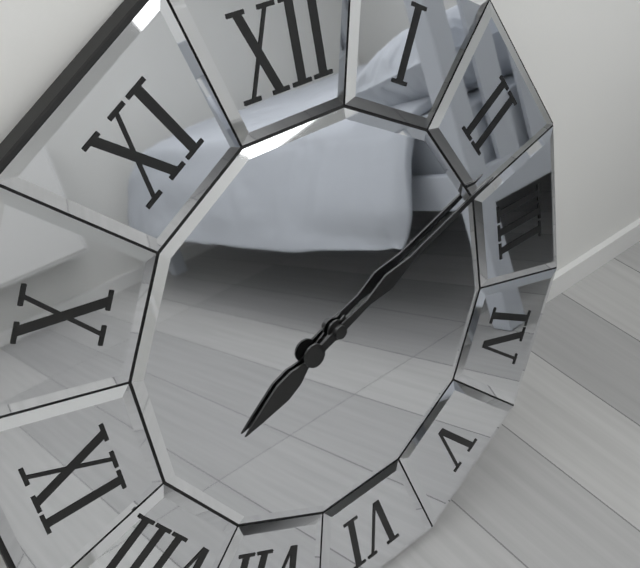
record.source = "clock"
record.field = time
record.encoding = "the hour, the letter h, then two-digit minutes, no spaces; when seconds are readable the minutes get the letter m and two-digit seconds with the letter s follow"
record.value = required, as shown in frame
8h12
